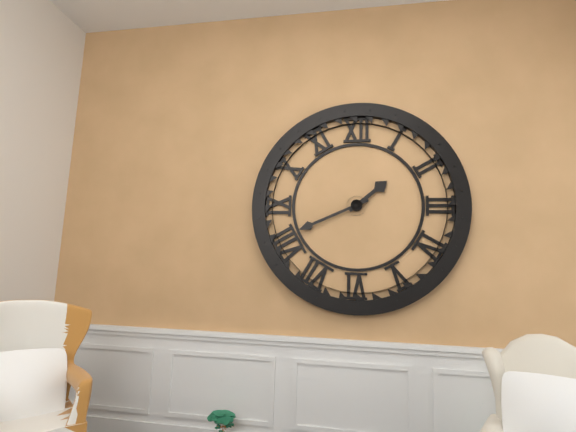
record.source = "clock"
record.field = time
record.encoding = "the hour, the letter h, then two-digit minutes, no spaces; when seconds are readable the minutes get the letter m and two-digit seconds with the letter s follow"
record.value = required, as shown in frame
1h41
